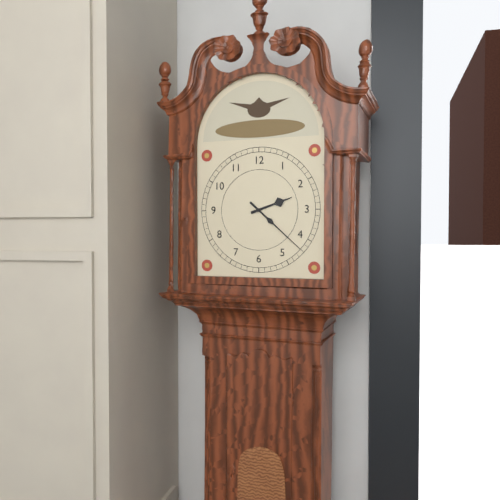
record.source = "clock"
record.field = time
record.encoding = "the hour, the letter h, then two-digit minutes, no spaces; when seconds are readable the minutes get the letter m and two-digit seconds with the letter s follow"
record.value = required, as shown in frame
2h22
